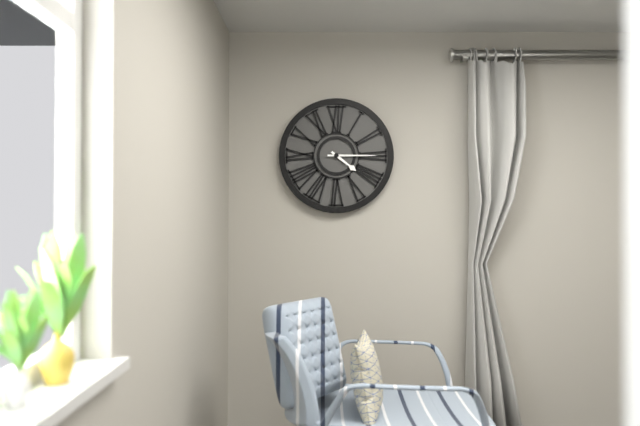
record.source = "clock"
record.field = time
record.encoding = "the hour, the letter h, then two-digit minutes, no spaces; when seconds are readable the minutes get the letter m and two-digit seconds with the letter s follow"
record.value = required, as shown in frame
4h15
